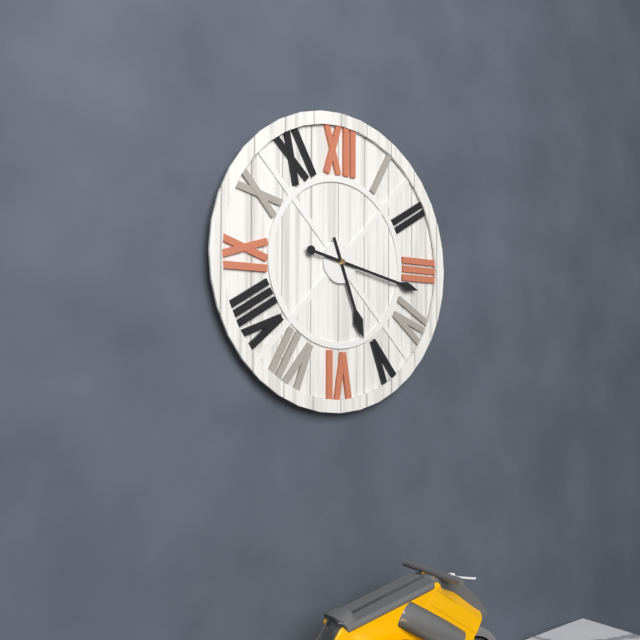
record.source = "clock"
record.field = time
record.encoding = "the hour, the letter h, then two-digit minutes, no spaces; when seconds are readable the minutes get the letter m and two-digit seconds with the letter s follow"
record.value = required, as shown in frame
5h17
